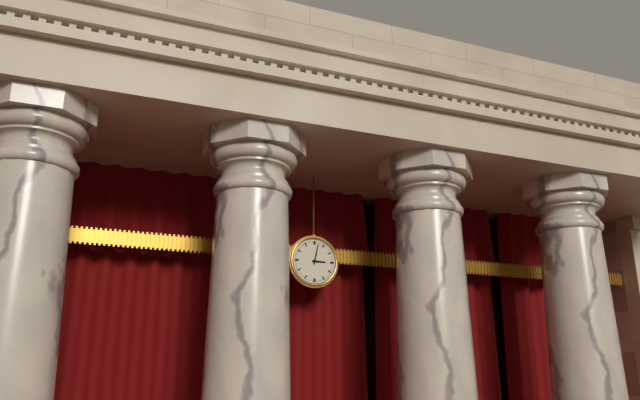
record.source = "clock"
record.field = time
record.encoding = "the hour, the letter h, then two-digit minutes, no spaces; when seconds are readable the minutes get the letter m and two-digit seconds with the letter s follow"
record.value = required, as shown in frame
3h02
